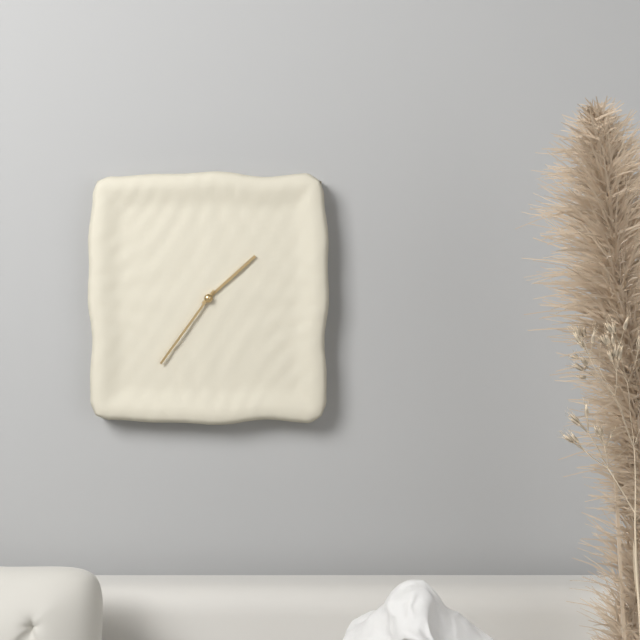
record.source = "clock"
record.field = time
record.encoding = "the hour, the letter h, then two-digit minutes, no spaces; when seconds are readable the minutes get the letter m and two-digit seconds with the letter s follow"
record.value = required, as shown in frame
1h36
